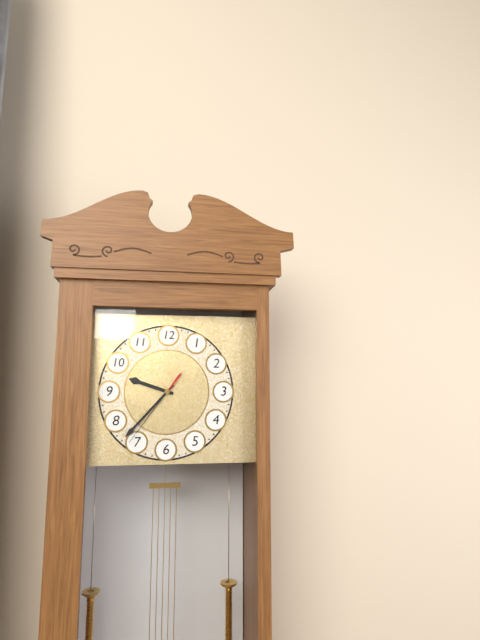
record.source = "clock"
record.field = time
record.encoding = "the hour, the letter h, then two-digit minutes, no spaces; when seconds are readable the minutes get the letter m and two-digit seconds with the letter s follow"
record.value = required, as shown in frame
9h37m36s
